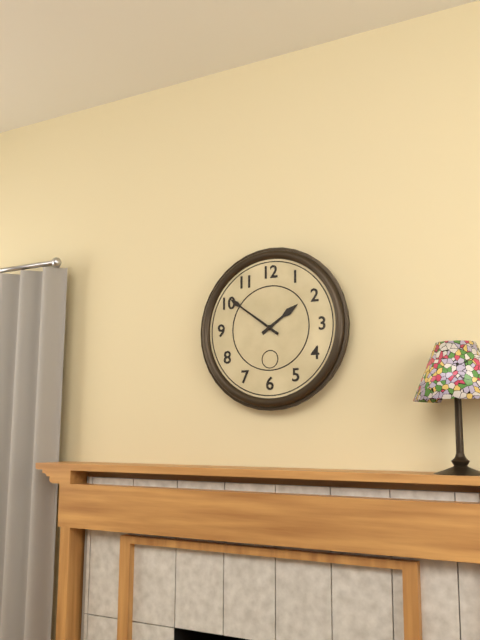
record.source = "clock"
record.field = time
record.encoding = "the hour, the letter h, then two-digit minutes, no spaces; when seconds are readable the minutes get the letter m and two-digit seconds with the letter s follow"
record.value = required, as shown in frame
1h51
